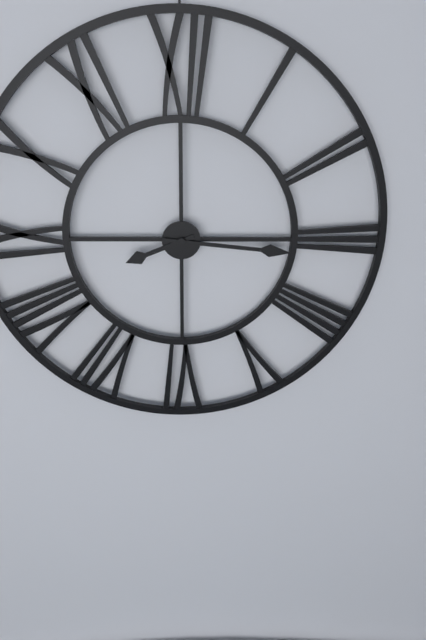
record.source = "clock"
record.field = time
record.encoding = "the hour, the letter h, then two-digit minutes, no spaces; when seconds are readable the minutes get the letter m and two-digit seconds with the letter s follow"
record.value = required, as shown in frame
8h16
